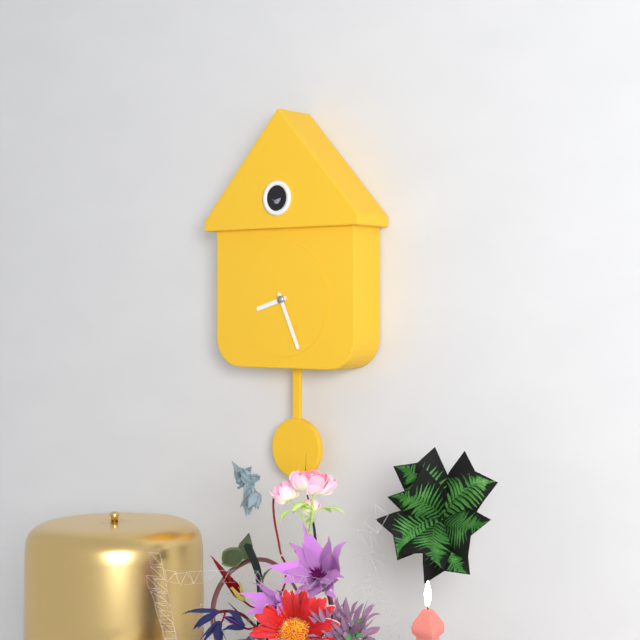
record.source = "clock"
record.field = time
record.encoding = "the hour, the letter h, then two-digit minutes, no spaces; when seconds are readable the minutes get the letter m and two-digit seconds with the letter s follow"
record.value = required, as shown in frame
8h26
